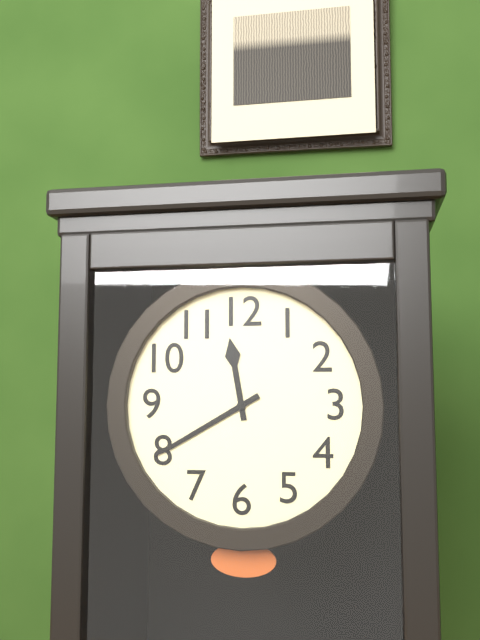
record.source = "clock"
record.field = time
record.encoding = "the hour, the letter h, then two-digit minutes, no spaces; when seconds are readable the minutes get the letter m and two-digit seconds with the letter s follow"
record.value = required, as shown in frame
11h40
